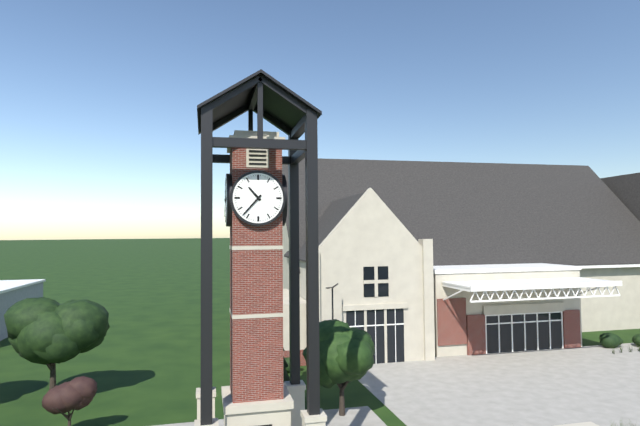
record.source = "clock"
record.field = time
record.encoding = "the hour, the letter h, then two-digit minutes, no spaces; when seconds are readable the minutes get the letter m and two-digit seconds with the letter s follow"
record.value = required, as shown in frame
10h37
